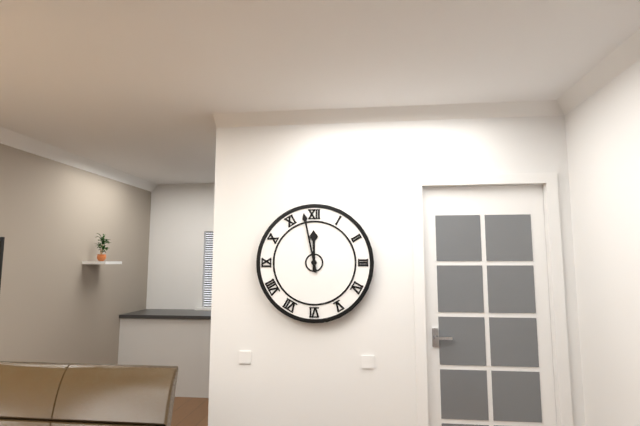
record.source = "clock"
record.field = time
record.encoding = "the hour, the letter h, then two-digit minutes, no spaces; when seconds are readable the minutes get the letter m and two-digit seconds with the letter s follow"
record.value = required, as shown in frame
11h58
